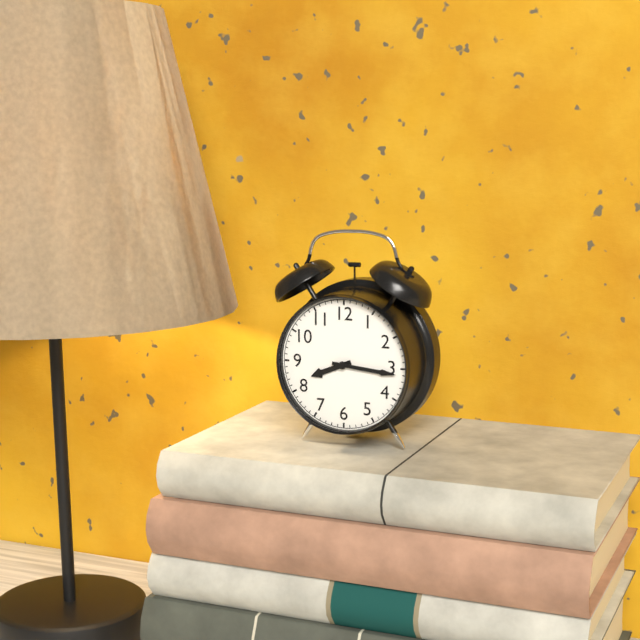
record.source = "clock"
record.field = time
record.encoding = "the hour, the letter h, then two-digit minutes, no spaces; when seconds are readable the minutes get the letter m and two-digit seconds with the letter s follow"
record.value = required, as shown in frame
8h16
